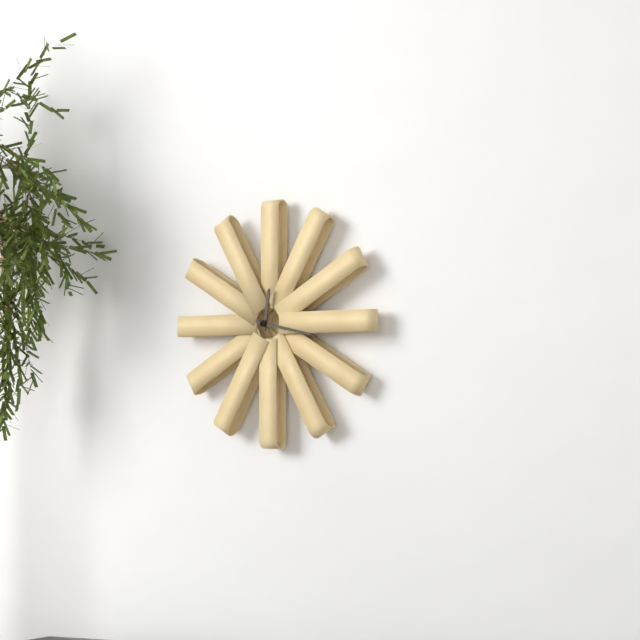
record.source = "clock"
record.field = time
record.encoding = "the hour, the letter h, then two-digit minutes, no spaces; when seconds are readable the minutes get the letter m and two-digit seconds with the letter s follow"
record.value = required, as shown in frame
12h17
